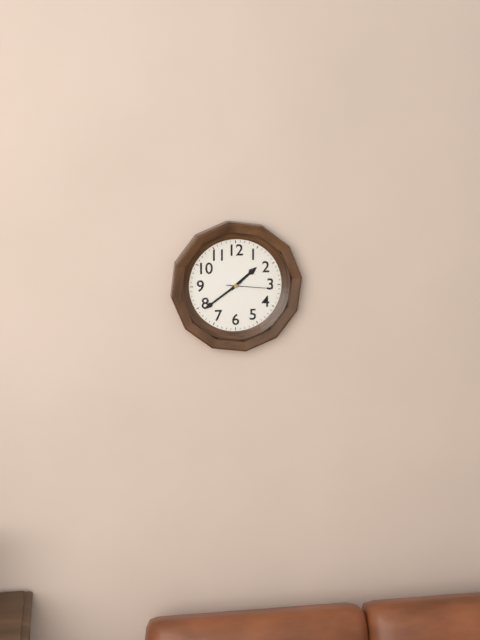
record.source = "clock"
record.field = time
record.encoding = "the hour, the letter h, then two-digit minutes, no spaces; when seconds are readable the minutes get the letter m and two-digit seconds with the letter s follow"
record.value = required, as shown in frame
1h39
